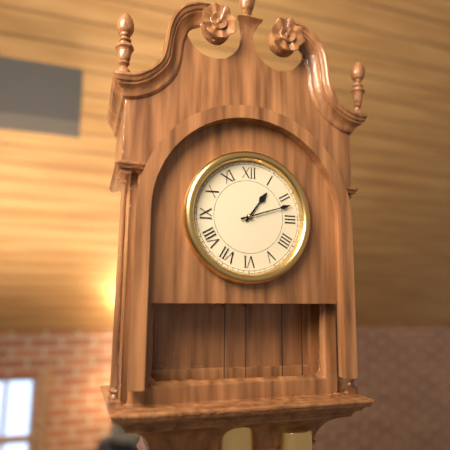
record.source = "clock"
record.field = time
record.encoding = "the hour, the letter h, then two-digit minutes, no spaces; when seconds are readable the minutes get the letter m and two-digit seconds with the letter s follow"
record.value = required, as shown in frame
1h12
